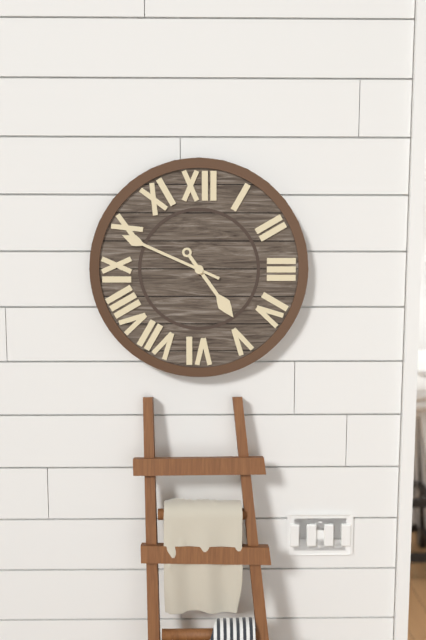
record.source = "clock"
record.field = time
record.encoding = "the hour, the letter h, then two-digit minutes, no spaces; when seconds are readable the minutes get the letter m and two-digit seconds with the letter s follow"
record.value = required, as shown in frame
4h49
